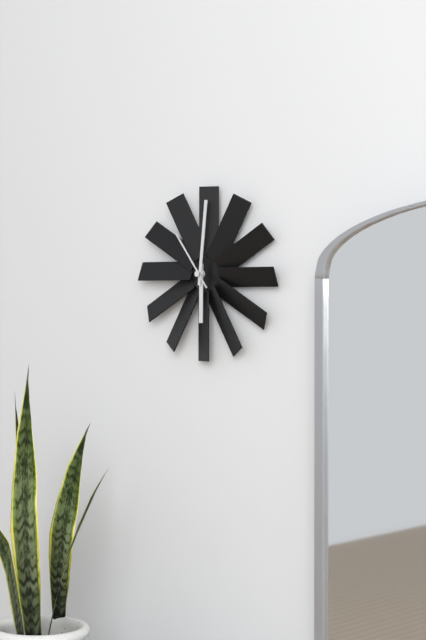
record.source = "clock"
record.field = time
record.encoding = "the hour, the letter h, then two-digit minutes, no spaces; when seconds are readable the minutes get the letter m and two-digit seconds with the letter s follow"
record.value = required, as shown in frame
6h01m54s
